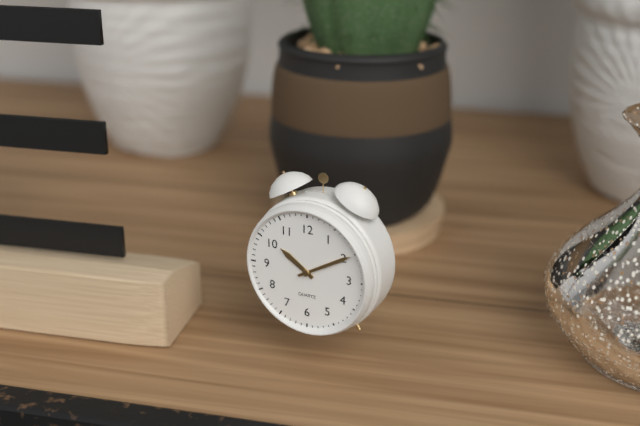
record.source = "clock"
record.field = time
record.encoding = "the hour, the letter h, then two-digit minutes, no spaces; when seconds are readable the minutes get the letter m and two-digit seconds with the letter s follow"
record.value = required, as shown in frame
10h10
